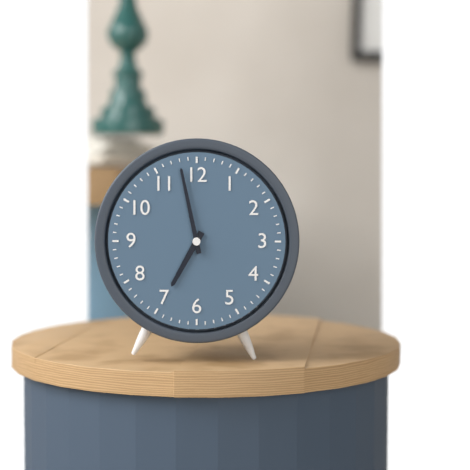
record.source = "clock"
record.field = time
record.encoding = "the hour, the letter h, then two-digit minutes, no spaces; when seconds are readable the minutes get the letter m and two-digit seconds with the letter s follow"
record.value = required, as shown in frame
6h58
